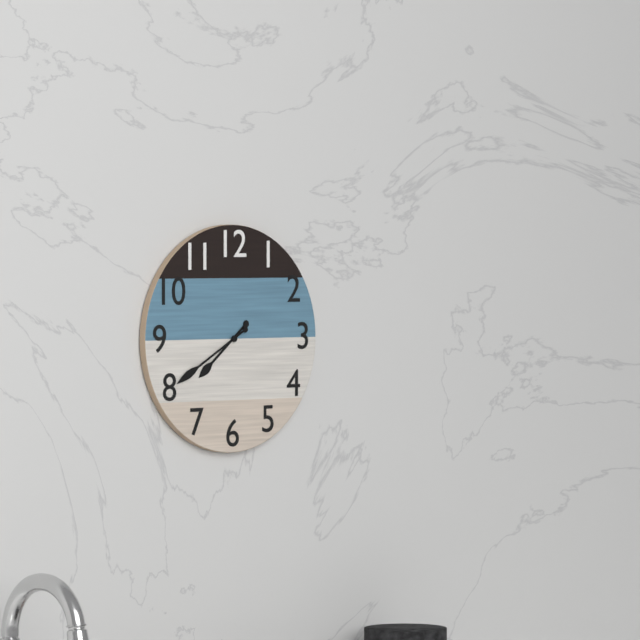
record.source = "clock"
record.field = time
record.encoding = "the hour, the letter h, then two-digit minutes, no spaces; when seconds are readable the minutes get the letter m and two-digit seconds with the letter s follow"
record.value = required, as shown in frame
7h40
